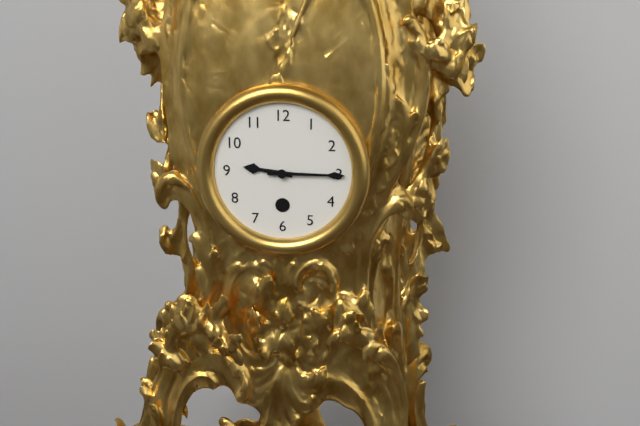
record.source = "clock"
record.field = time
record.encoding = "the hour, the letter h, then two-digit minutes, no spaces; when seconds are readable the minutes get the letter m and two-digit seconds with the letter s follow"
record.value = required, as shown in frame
9h15
